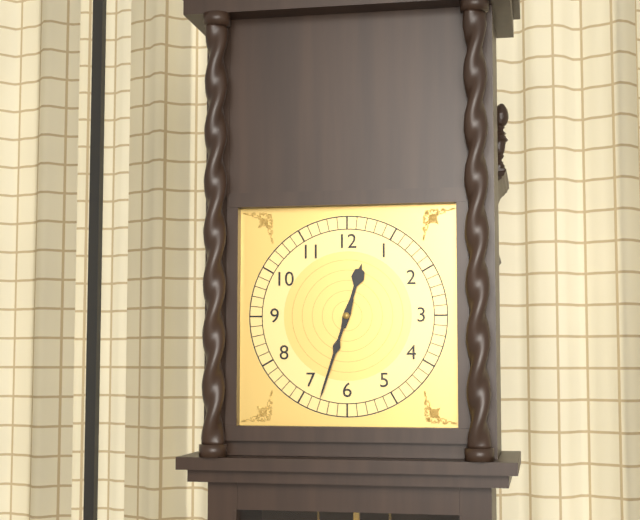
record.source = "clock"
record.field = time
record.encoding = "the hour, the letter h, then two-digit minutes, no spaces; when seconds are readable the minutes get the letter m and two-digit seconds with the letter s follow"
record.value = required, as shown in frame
12h33
